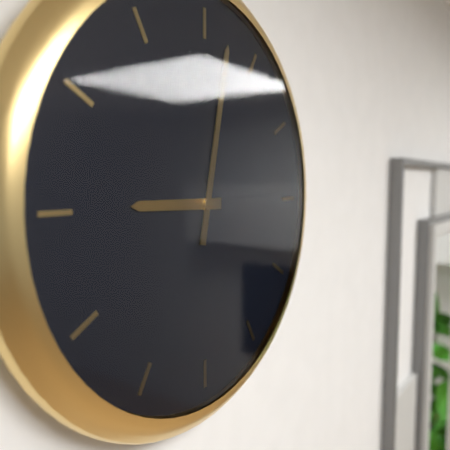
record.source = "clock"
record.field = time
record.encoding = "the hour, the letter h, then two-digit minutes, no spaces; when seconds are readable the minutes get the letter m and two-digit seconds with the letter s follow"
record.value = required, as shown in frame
9h02
